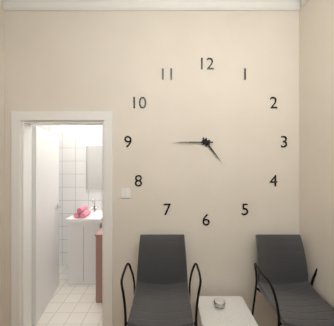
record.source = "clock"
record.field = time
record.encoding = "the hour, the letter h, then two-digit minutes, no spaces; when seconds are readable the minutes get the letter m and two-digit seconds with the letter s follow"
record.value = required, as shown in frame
4h45
